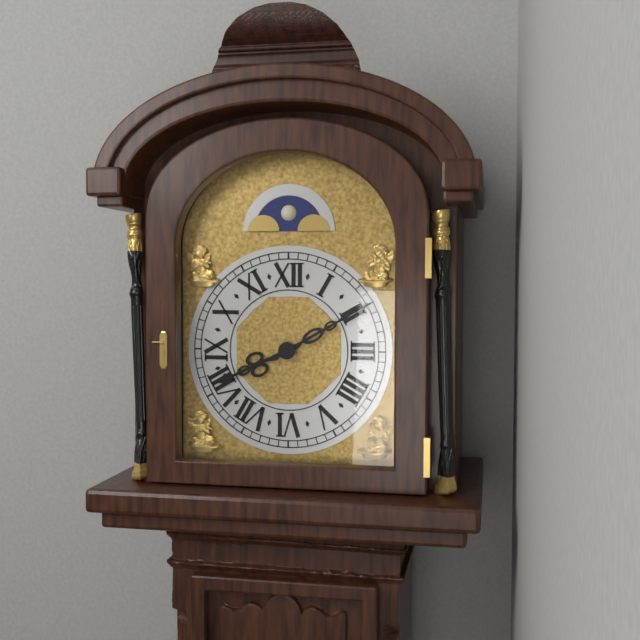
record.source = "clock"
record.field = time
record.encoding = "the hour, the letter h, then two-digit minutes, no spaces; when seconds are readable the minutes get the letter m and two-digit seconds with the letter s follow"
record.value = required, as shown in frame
8h10
